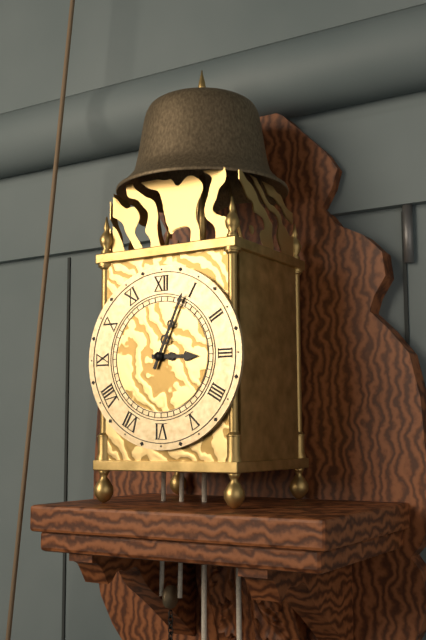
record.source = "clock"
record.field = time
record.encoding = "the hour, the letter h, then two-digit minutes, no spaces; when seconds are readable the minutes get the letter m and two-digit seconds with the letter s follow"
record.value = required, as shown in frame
3h04
